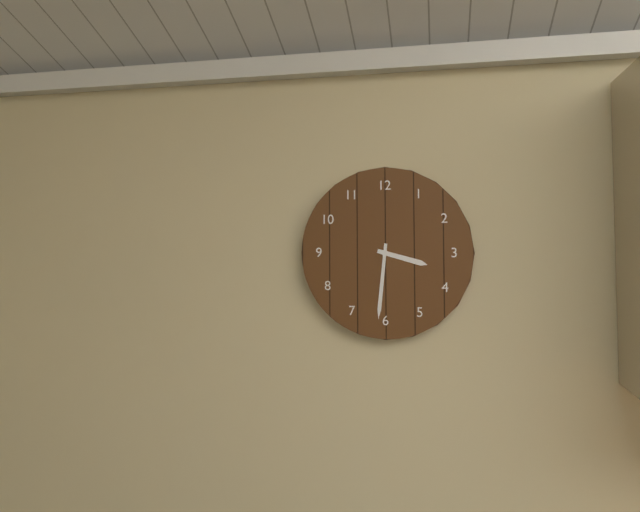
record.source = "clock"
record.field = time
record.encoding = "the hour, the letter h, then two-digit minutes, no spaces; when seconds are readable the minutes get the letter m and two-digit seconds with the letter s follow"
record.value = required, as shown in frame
3h31
